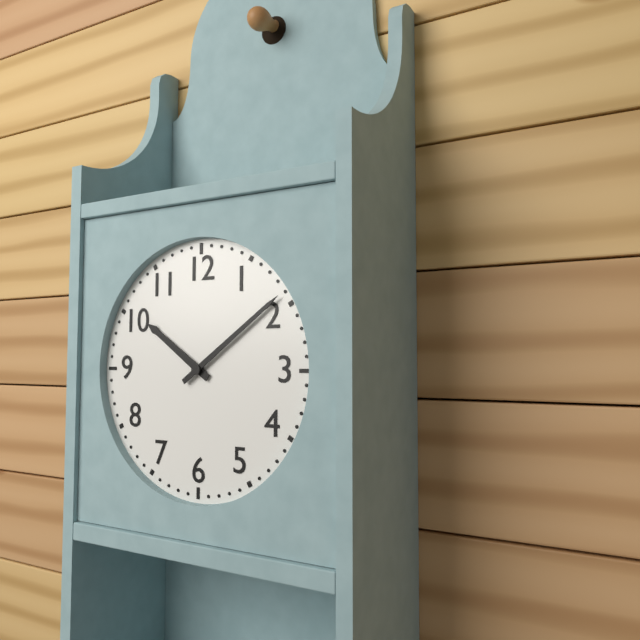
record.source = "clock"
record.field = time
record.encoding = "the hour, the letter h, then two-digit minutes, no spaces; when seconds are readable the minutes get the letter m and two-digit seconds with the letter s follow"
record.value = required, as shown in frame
10h09
